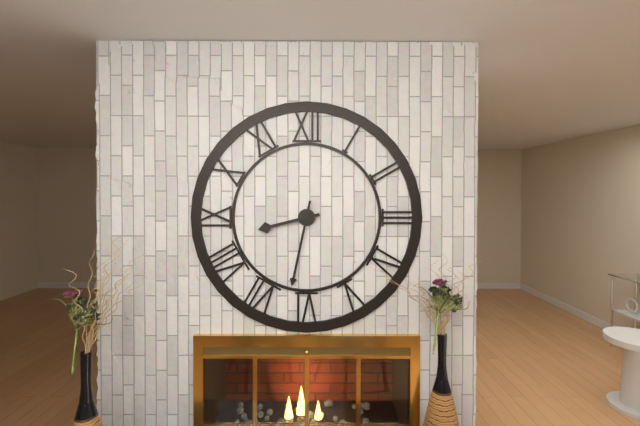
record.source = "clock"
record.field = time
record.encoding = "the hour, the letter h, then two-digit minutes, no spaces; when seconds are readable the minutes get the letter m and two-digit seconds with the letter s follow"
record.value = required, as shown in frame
8h32
